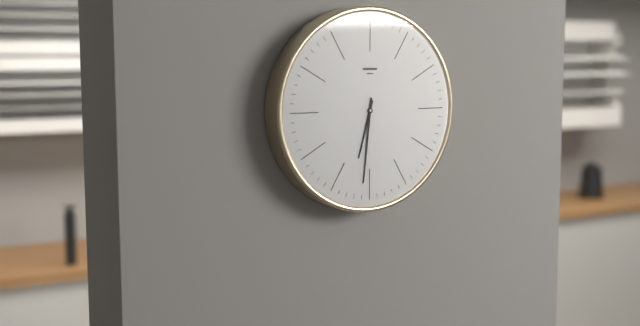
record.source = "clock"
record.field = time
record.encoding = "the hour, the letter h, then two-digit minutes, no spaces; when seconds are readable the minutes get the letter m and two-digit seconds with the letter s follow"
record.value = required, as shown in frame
6h31
